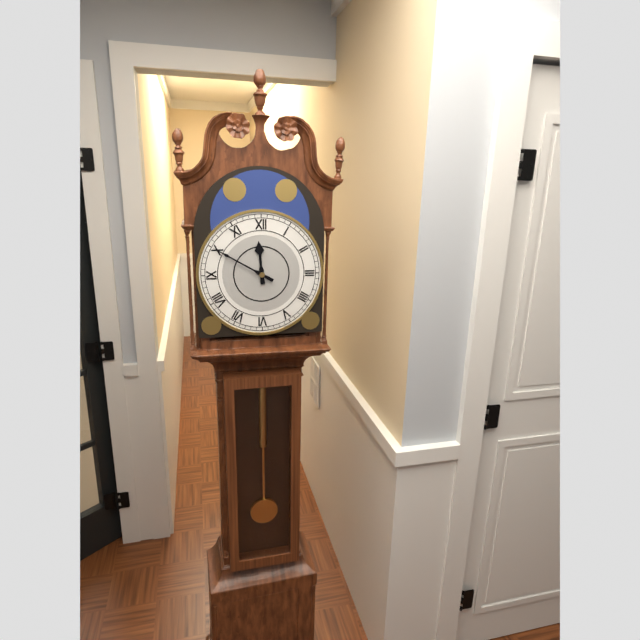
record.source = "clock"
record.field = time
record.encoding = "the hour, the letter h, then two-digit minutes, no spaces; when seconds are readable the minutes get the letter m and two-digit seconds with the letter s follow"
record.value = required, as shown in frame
11h50
